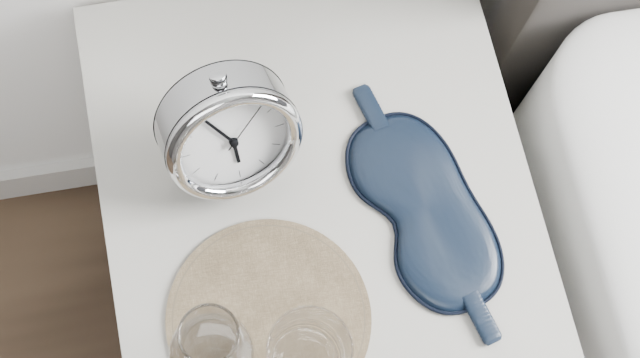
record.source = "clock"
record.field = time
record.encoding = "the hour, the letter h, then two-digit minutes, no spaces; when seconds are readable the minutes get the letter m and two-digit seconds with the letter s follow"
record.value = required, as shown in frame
5h55m07s
